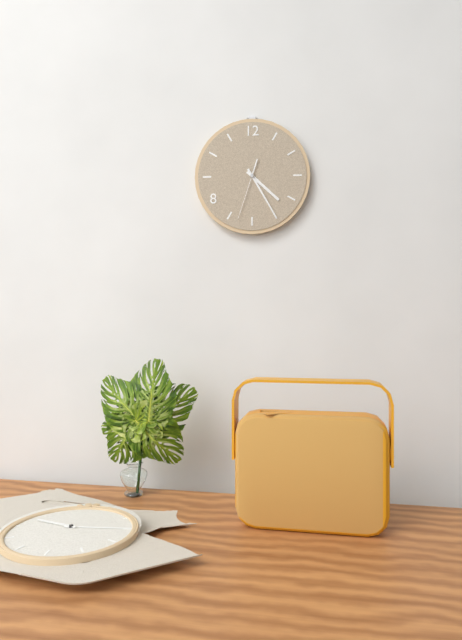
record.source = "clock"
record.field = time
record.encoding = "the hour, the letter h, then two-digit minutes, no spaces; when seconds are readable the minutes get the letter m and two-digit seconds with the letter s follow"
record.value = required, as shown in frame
4h25m33s
